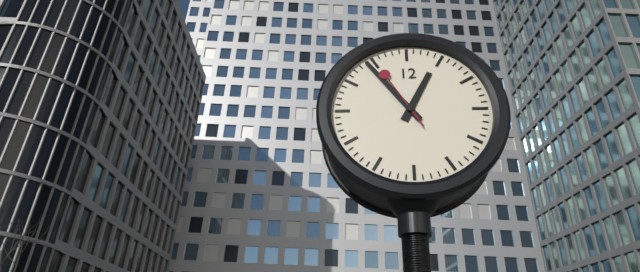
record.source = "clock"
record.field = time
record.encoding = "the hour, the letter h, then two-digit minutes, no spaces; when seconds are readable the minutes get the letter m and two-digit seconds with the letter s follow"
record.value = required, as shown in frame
12h54m55s
